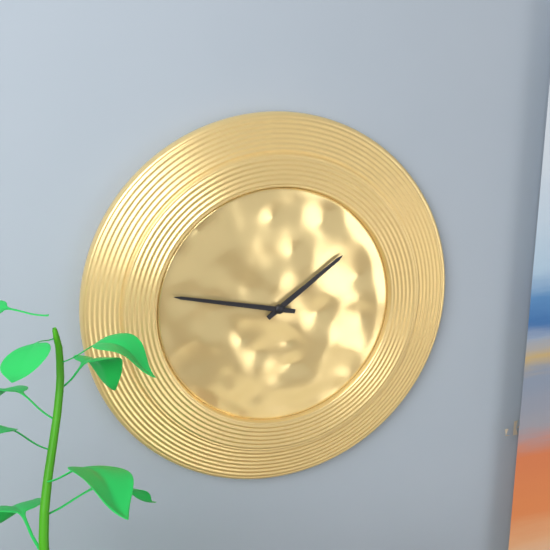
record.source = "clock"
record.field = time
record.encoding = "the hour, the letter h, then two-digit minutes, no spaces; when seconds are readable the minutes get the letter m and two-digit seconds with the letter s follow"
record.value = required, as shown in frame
1h47
